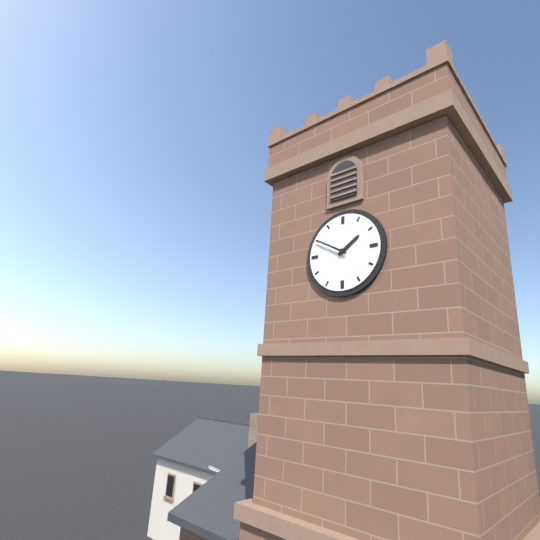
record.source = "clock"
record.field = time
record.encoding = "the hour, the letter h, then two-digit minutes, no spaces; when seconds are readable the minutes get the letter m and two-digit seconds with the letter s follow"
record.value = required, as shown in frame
1h50
